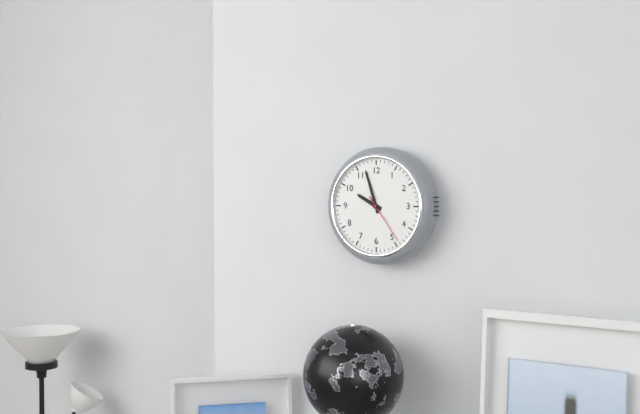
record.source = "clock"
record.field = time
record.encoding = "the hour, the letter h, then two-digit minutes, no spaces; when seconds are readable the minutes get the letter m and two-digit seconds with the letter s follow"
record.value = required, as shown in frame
9h57
